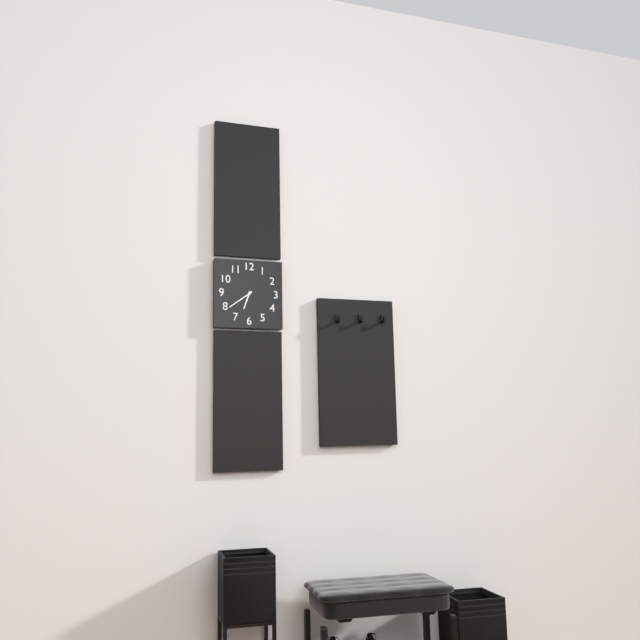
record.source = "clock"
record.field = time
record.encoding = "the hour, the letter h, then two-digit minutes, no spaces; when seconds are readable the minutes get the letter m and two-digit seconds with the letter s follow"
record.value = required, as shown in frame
6h39
